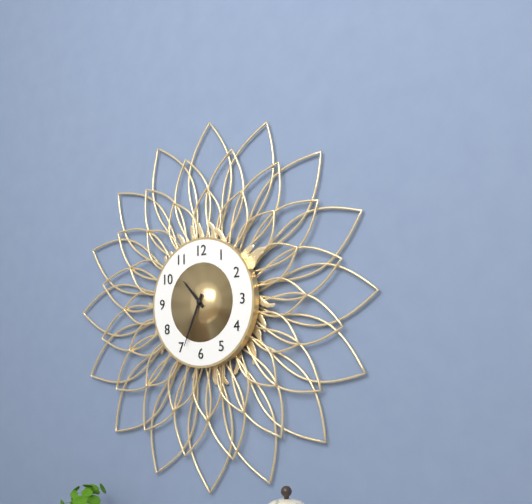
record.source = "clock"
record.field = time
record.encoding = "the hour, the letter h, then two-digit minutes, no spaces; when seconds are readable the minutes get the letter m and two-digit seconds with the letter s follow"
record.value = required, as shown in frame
10h34
